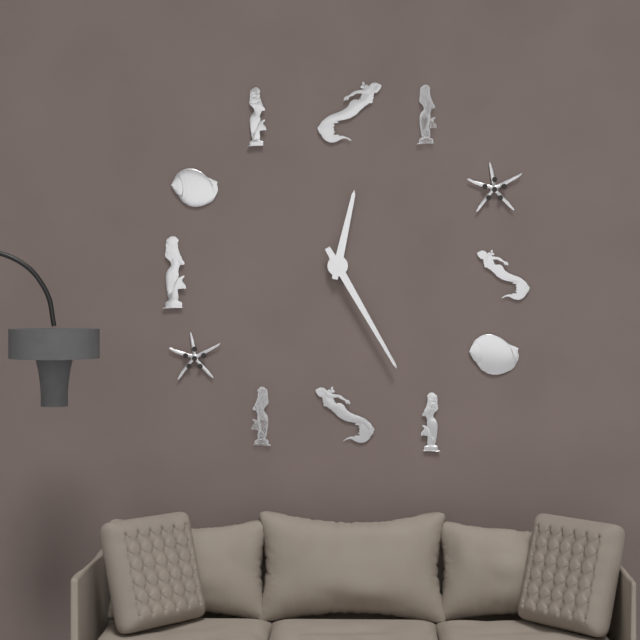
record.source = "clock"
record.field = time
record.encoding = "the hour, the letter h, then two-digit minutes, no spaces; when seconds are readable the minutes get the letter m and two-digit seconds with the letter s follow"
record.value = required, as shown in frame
12h25
